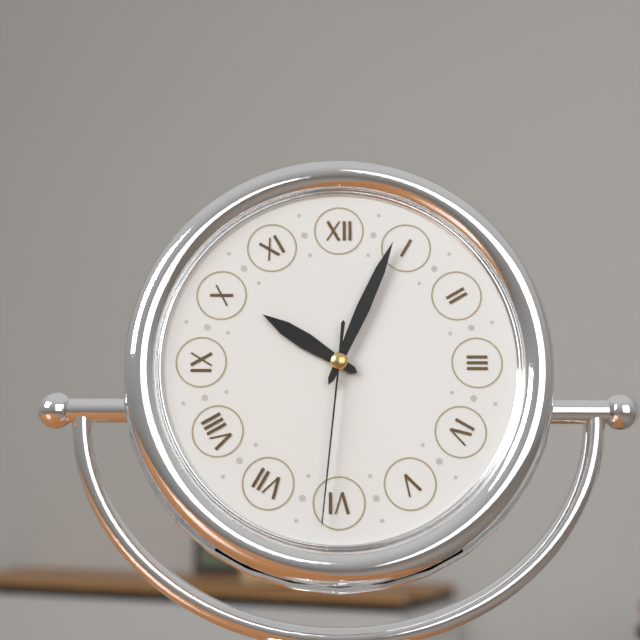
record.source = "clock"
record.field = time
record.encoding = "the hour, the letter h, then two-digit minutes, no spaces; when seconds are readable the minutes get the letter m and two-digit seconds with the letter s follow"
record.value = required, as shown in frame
10h04m31s
